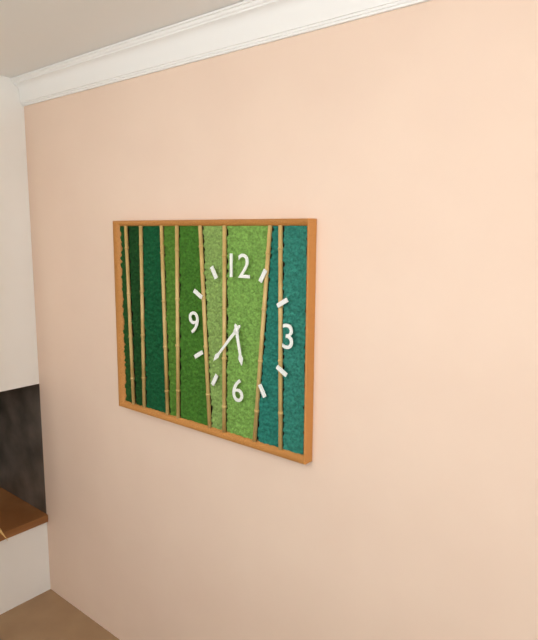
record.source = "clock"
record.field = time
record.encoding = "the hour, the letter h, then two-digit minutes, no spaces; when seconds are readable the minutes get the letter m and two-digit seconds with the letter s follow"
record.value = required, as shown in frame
5h37
